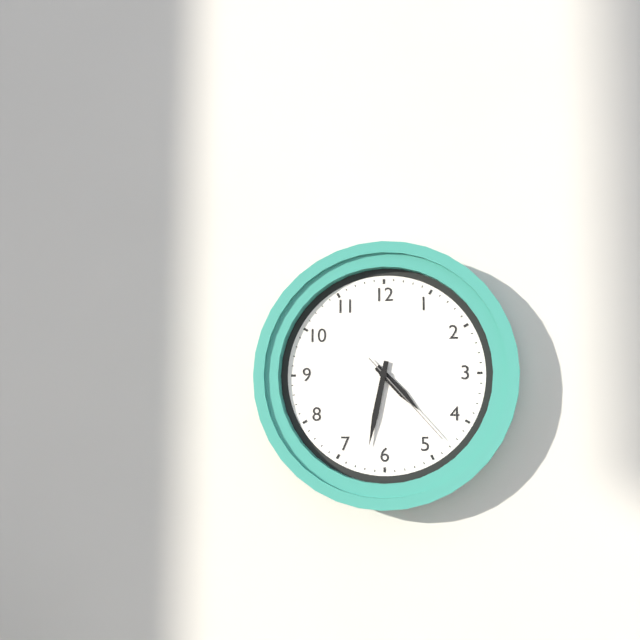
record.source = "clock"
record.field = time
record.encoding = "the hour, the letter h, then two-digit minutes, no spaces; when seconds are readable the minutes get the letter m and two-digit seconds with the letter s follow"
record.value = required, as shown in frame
4h32m23s
